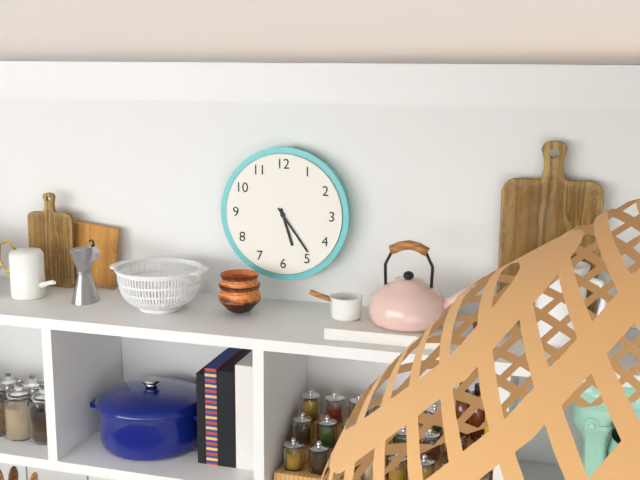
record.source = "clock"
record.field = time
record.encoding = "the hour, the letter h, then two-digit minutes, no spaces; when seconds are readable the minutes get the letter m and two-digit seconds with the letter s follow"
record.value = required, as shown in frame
5h24
